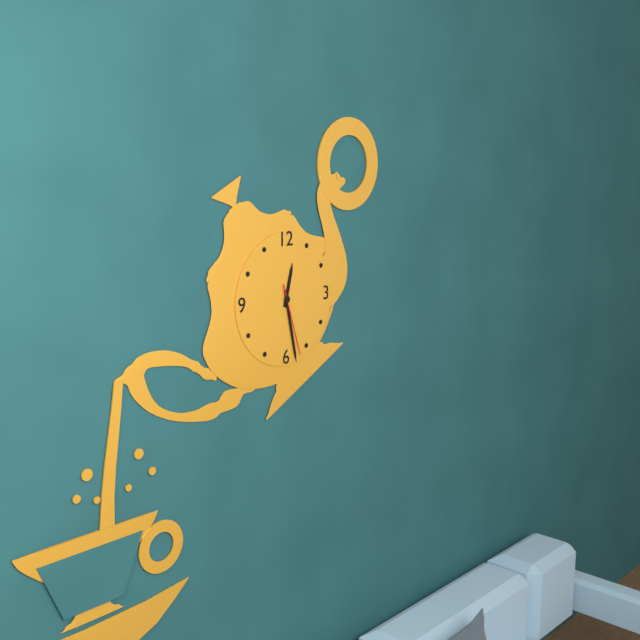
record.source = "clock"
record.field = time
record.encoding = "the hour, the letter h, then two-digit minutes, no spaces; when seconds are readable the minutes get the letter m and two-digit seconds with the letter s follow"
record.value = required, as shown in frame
12h28m27s
